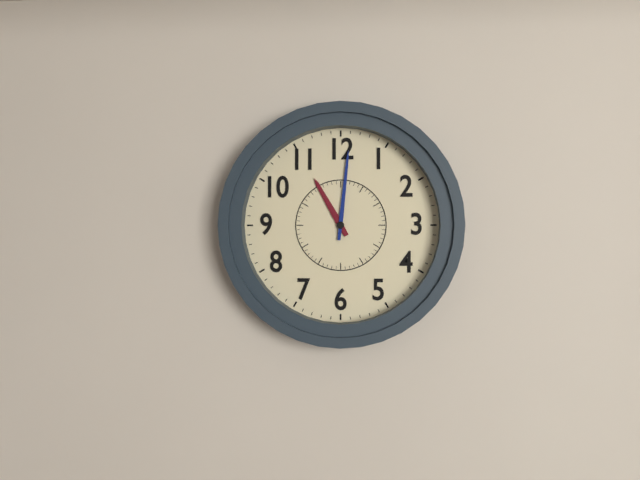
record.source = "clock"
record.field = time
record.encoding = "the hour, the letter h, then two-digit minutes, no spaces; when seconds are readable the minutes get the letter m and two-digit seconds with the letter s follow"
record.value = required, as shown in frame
11h01
